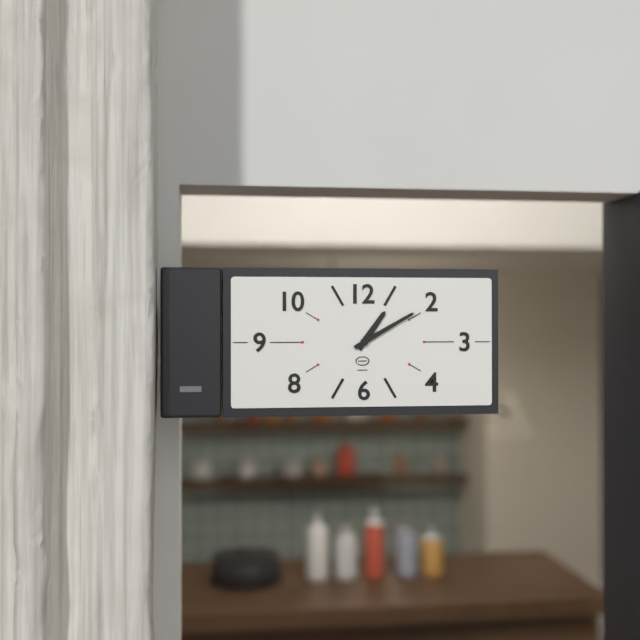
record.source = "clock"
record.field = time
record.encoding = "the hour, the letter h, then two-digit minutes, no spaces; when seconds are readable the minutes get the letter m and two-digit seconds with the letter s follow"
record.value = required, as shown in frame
1h10
